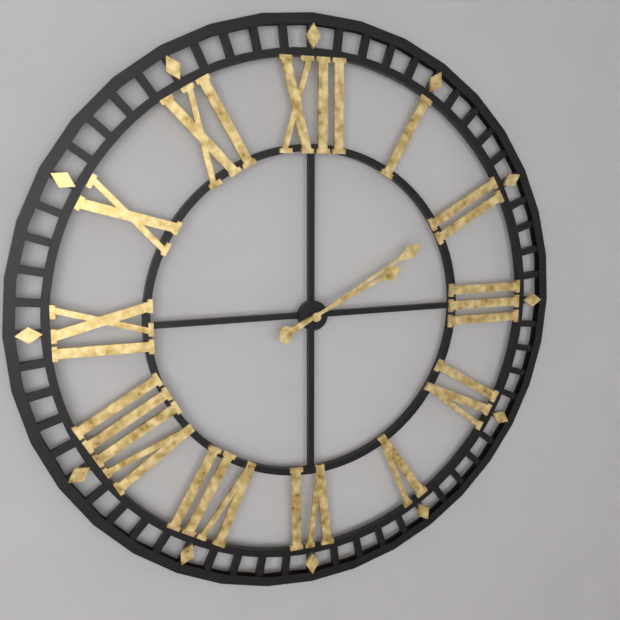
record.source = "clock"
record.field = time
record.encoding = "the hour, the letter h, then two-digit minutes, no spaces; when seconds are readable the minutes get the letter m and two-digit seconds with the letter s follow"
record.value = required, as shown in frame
2h10
